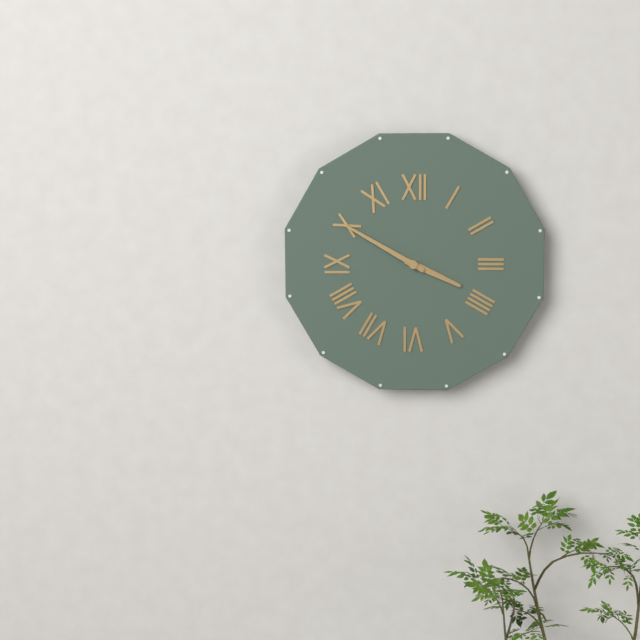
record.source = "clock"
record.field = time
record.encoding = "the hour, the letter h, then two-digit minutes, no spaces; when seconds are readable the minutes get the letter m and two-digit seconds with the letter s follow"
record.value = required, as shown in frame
3h50
